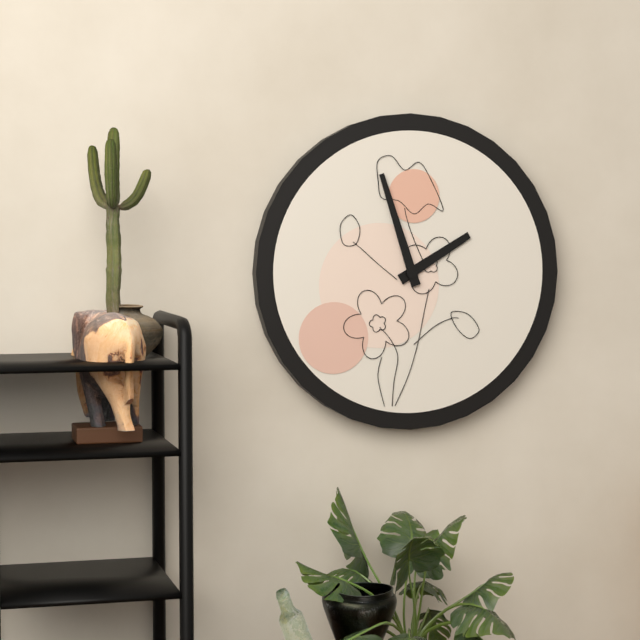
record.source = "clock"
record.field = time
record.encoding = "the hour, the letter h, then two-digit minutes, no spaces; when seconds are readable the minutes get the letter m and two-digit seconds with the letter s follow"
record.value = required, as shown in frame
1h57
